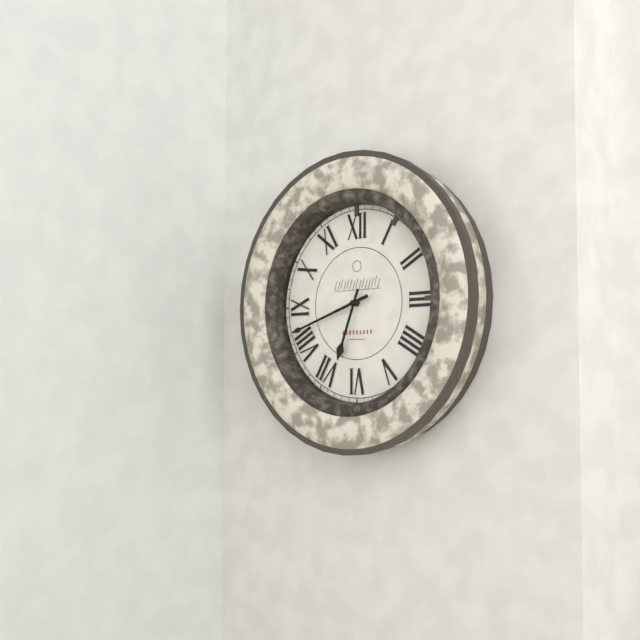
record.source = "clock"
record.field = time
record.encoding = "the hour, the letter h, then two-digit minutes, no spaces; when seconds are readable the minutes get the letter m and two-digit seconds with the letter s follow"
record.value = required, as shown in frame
6h42
